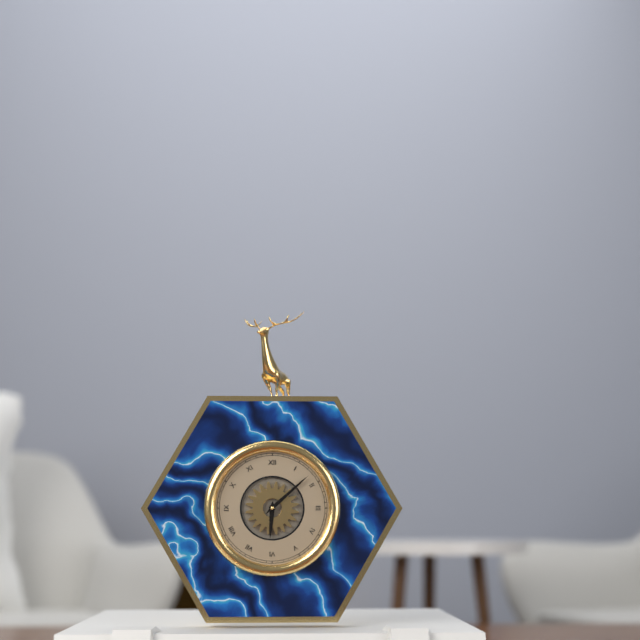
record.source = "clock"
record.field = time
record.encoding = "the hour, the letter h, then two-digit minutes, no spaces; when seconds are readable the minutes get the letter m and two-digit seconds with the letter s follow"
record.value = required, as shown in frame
6h08
